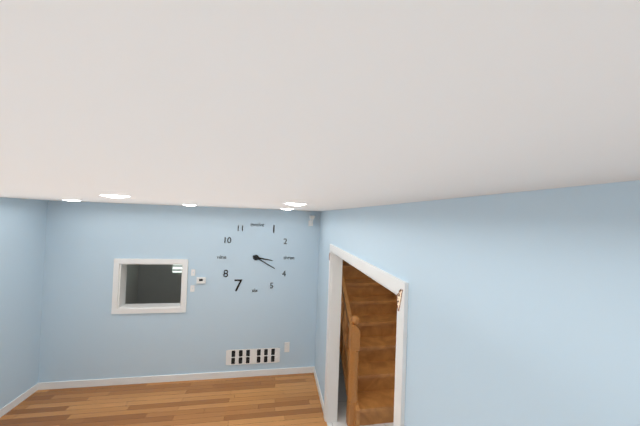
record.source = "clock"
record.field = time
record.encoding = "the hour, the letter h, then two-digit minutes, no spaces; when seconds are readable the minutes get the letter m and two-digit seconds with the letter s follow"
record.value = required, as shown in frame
3h20
